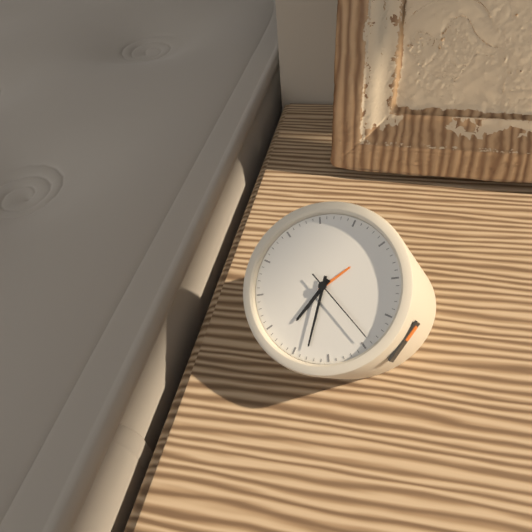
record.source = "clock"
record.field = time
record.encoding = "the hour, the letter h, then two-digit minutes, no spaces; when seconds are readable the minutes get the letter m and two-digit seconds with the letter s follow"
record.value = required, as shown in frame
6h28m19s
